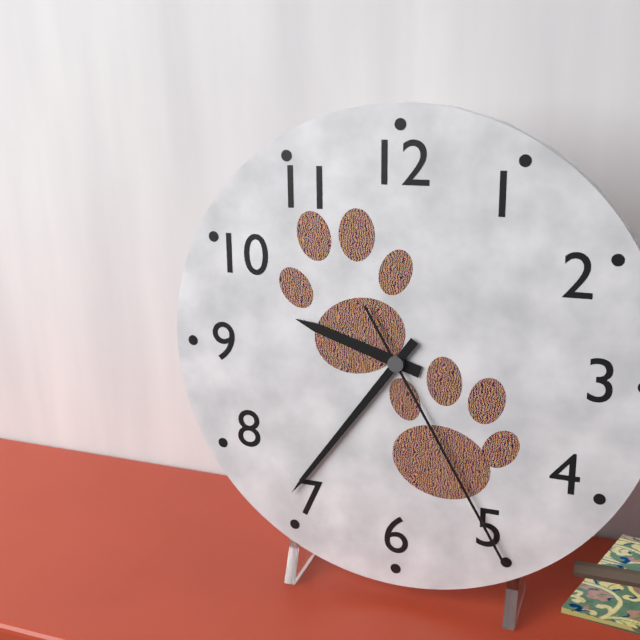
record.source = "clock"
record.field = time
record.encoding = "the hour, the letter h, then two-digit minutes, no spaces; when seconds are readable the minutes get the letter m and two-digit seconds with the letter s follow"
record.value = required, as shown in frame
9h36m25s
